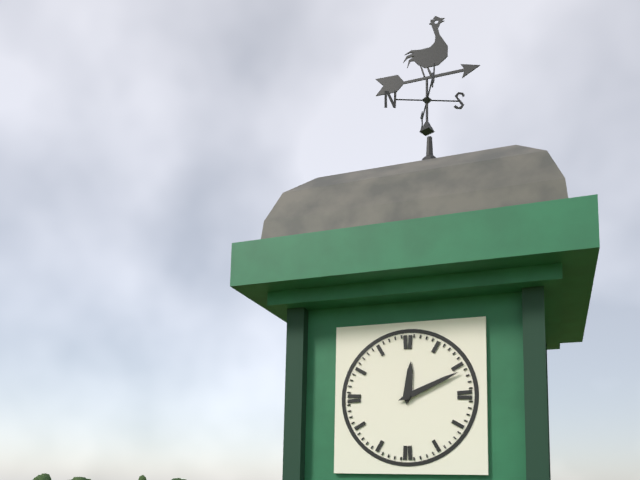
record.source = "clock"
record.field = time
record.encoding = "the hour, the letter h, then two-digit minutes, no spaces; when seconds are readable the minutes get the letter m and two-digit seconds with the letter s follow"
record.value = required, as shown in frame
12h11
